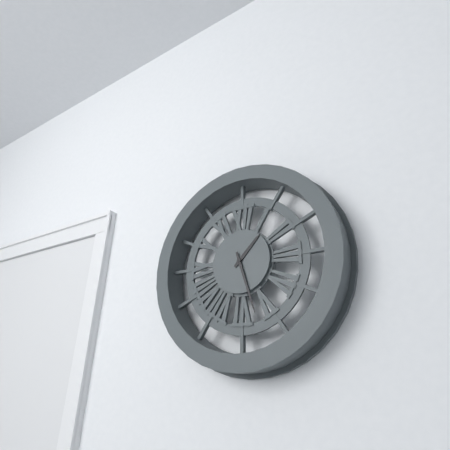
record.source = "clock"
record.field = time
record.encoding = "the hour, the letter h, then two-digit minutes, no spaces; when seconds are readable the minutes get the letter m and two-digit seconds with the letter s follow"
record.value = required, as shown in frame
1h27
